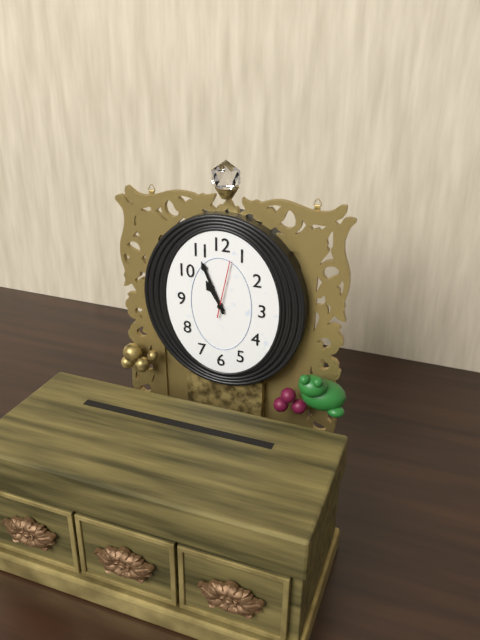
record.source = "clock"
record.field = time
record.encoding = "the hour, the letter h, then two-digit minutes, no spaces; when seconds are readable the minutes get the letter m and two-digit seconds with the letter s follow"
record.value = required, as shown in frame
10h56m02s
